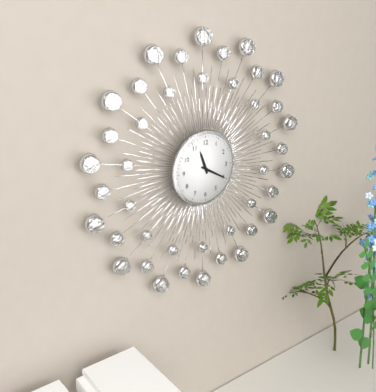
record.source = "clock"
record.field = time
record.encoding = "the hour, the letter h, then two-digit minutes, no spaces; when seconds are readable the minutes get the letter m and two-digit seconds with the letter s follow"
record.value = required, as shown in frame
11h20
